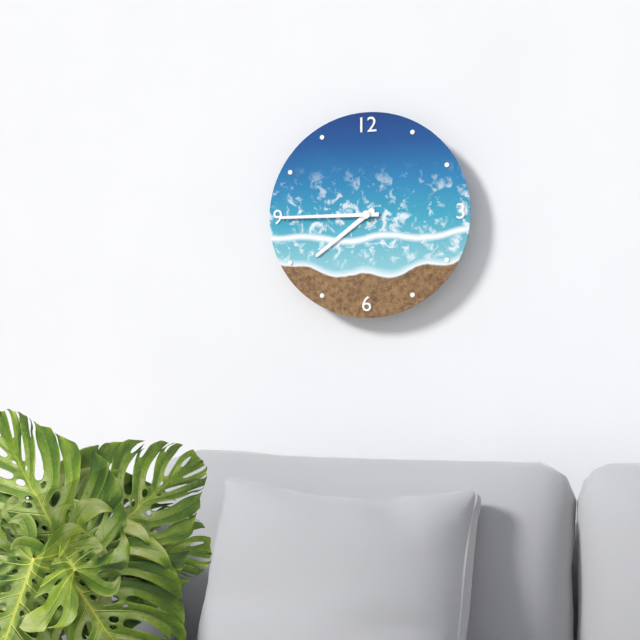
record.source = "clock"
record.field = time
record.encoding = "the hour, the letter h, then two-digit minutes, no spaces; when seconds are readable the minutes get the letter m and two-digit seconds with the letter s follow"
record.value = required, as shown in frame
7h45
